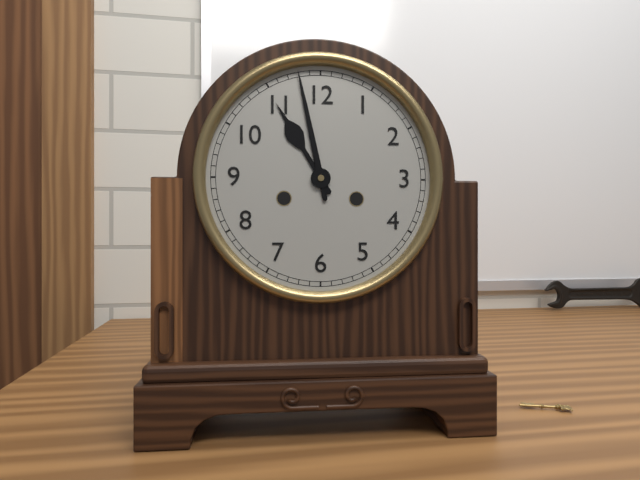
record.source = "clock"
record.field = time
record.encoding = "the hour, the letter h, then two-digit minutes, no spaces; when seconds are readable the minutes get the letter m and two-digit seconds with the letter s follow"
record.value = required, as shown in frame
10h58
